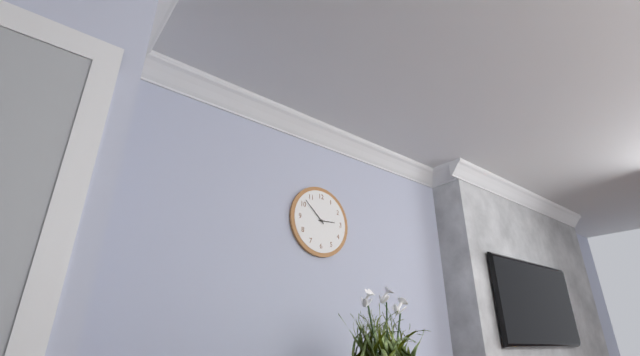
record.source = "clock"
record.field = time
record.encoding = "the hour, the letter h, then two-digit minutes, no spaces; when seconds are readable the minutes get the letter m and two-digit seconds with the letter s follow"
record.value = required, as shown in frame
2h52
